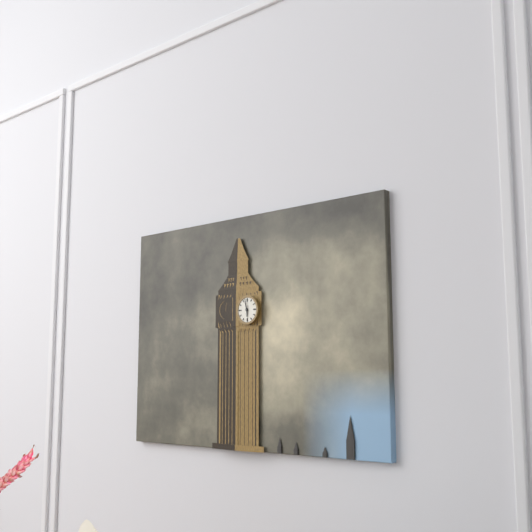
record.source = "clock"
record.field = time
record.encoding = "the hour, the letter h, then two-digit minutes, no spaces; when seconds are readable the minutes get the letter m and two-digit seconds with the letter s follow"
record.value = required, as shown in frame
5h58
